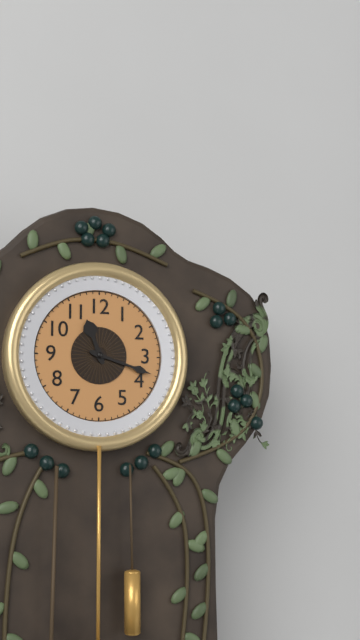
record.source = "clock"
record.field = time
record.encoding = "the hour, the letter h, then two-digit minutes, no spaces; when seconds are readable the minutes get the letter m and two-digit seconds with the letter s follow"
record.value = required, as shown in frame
11h18
